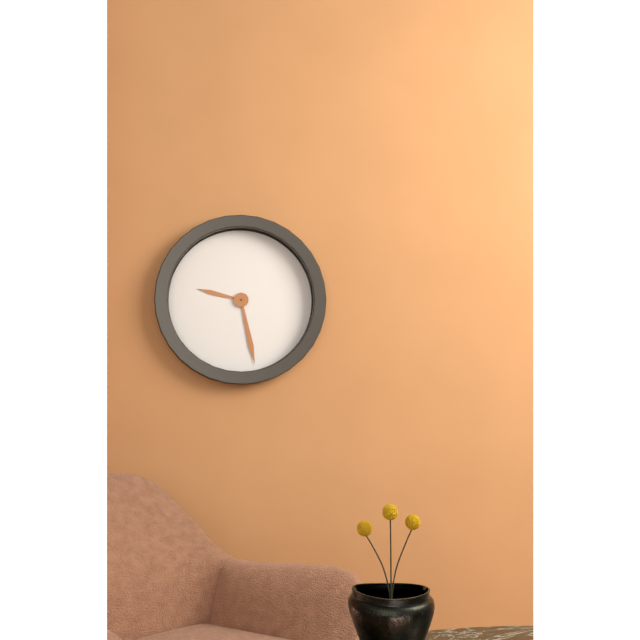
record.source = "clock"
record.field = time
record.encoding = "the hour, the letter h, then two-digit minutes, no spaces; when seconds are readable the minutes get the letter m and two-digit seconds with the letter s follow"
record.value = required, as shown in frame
9h28
